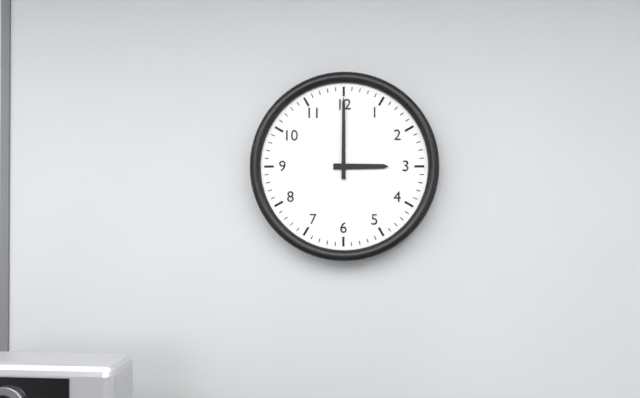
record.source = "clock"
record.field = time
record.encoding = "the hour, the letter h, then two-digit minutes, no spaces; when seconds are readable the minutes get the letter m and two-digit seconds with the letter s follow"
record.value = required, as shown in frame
3h00
